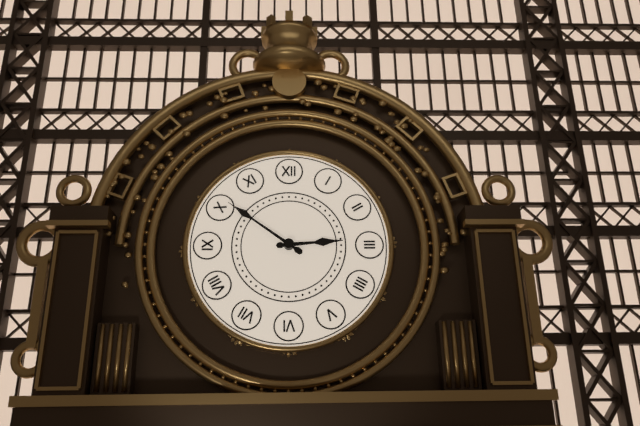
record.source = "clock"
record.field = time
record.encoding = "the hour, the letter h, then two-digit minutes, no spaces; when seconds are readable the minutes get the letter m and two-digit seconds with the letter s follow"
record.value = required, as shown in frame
2h51
